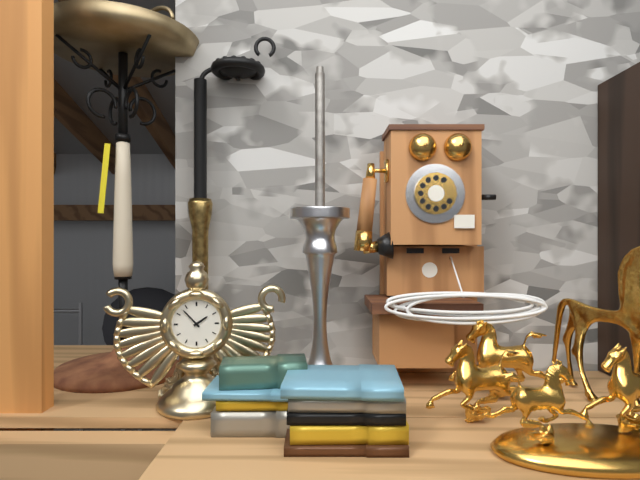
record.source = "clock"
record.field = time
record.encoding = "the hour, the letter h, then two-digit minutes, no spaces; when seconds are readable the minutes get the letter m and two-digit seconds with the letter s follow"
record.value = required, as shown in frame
1h53
